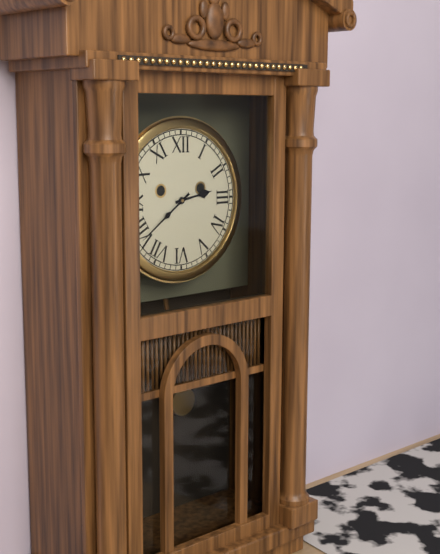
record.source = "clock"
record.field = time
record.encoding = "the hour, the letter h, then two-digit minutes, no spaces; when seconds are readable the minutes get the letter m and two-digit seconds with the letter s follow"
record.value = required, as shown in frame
2h39
